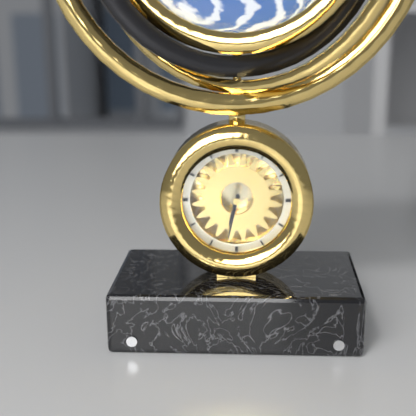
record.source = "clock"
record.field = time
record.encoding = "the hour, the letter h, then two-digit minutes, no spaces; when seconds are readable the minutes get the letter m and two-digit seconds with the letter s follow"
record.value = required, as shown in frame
6h32
